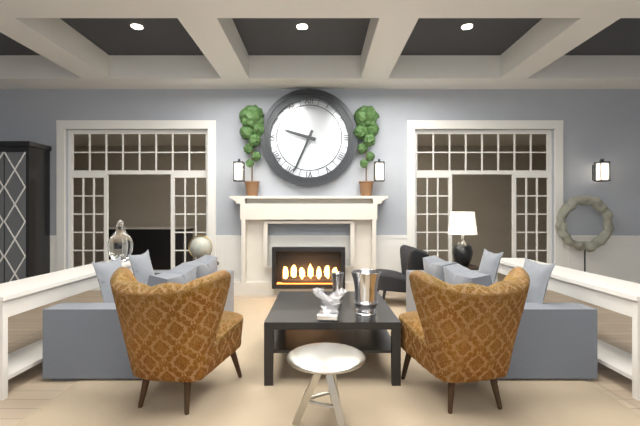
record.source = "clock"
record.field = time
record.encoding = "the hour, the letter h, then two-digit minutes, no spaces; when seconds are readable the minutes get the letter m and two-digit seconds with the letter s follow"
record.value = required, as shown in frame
9h34
